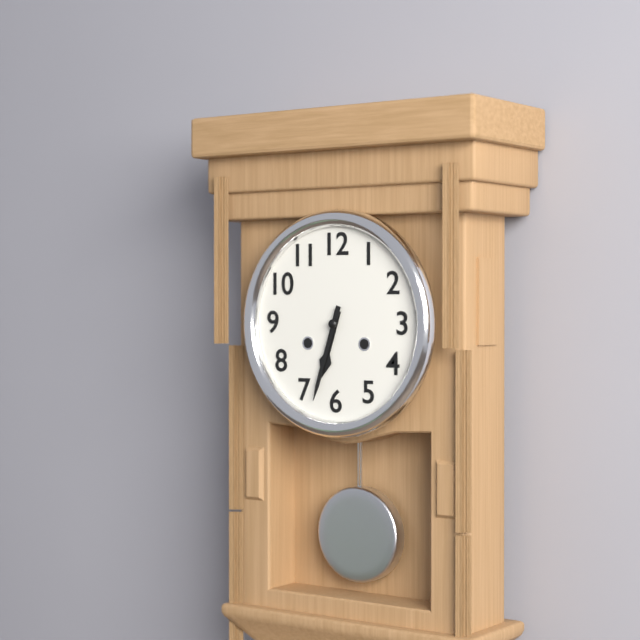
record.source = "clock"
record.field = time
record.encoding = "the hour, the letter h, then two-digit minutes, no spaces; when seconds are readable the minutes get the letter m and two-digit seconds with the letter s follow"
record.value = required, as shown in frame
6h33
